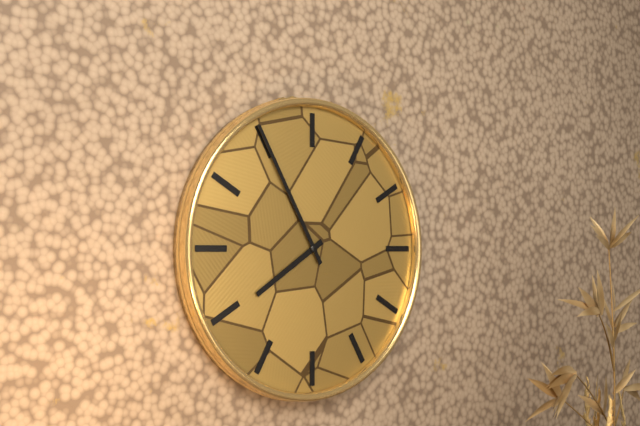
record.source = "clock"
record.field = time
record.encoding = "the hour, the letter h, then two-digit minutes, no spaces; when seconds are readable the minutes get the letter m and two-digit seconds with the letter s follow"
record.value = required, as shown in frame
7h55
